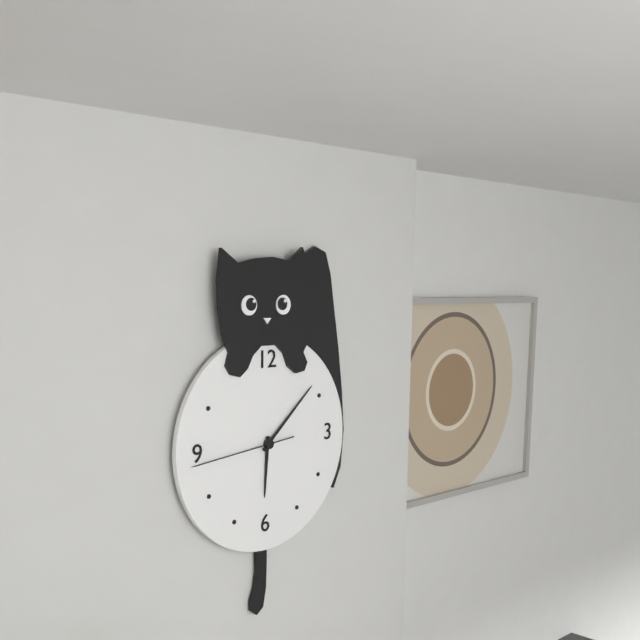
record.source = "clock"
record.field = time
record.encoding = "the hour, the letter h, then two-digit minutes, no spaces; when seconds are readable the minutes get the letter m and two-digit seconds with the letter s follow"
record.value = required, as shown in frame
6h08m44s
